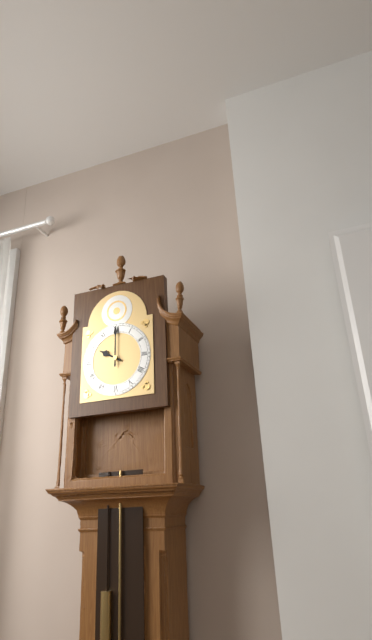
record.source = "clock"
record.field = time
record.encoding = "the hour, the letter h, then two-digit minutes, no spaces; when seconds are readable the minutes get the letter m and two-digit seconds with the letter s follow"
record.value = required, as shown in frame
10h00
